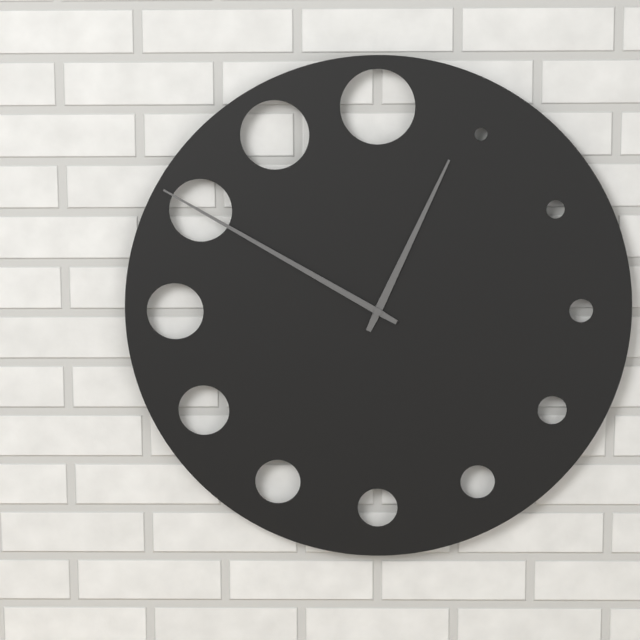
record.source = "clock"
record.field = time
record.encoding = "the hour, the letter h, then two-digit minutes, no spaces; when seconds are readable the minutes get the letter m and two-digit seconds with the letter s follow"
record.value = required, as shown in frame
12h50
